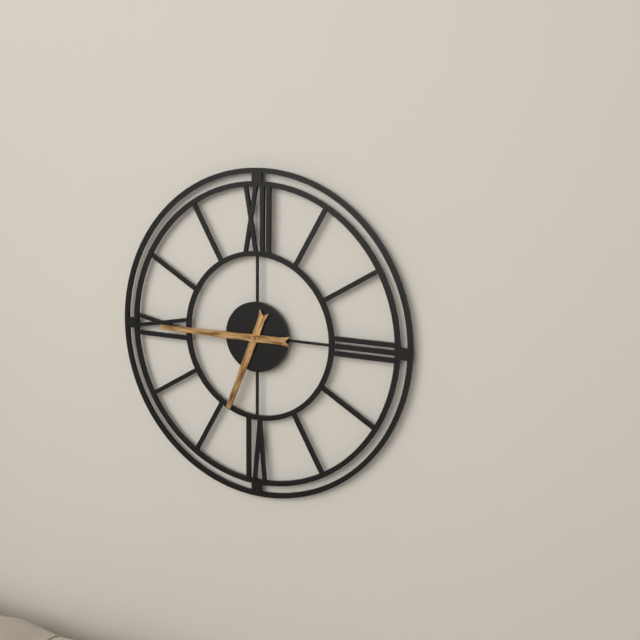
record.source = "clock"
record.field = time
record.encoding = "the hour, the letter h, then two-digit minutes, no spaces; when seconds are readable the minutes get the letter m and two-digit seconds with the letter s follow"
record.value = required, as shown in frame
6h45
